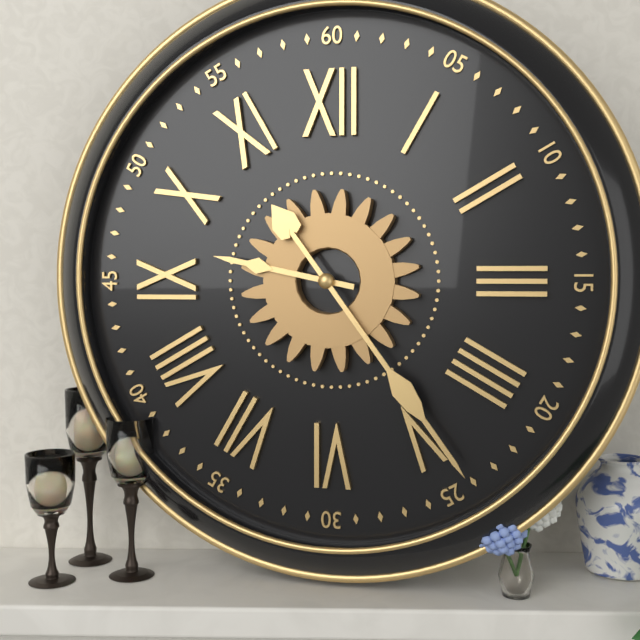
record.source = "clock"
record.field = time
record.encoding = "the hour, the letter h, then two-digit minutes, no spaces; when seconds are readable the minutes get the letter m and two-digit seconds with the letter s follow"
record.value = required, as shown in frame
9h24
